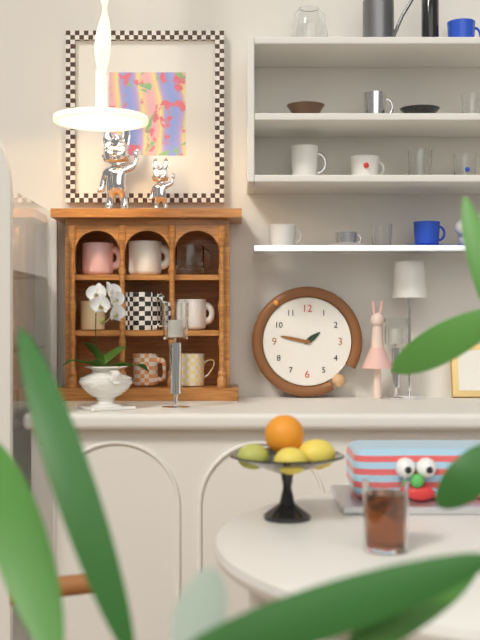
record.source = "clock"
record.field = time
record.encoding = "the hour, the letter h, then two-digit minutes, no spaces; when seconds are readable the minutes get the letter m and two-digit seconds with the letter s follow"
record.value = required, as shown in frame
1h47
